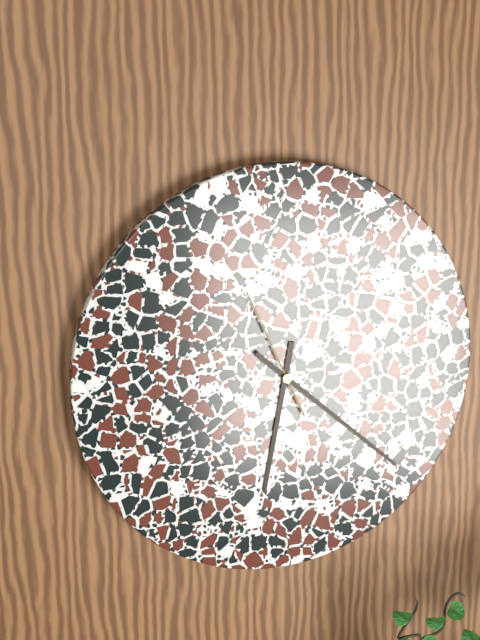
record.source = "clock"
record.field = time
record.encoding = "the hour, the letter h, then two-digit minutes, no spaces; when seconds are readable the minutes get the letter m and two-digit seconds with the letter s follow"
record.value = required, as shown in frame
6h22m56s
